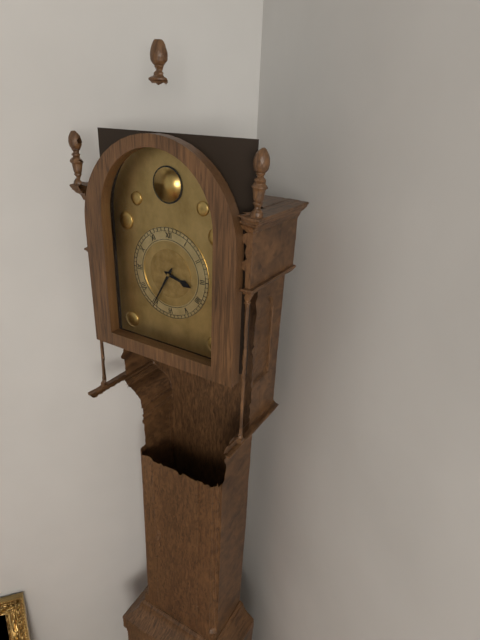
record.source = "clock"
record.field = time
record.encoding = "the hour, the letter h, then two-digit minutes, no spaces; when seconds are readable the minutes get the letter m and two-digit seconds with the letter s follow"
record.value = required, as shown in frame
3h35
